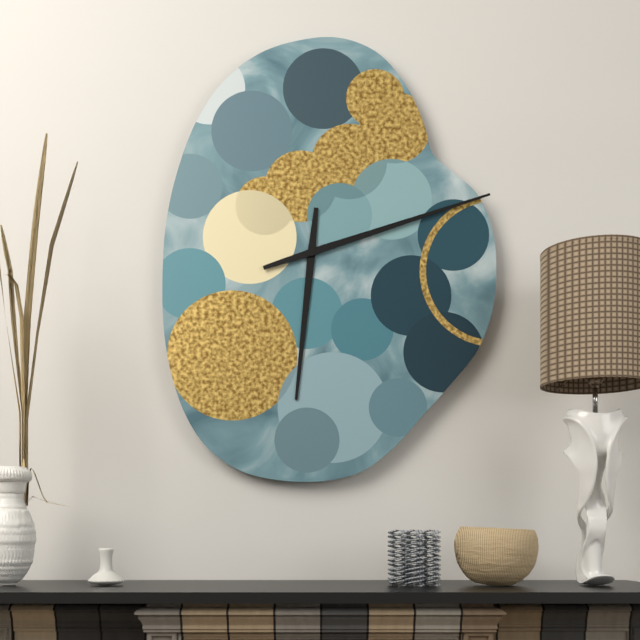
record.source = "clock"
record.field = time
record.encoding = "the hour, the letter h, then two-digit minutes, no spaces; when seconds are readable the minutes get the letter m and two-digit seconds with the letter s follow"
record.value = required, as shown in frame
6h12
